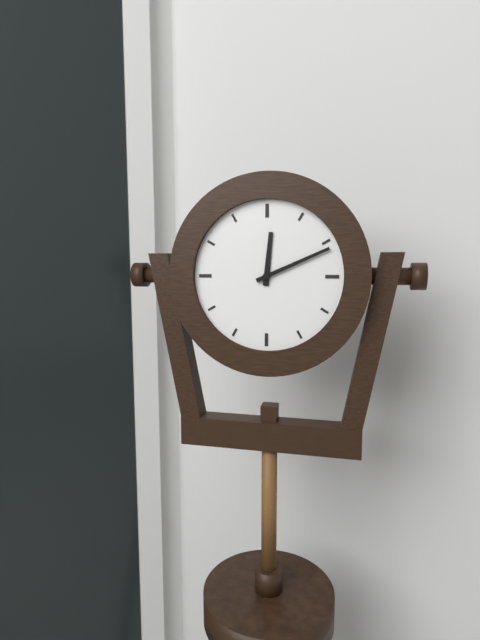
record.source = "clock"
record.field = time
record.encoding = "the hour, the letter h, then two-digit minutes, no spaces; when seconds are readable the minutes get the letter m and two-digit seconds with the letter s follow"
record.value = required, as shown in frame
12h11
